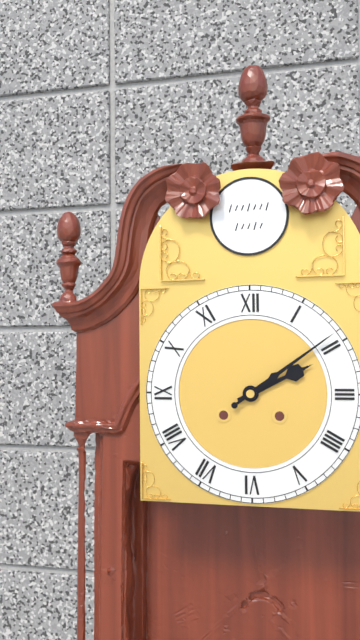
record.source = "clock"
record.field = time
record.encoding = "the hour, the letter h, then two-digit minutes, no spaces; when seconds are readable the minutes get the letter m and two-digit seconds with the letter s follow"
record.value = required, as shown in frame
2h09
